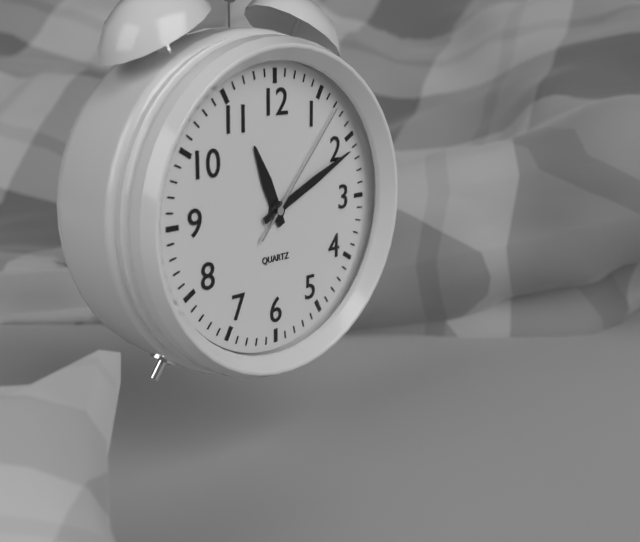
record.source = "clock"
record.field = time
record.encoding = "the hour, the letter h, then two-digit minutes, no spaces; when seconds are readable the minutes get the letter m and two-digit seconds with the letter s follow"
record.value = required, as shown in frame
11h11m07s
